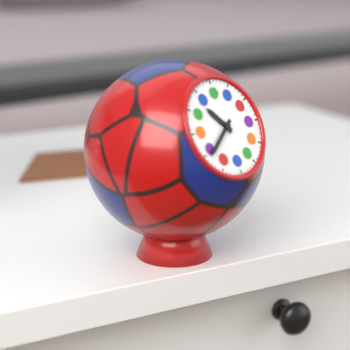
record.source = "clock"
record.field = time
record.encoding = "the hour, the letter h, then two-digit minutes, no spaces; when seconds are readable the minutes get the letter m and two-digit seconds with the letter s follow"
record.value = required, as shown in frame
10h39
